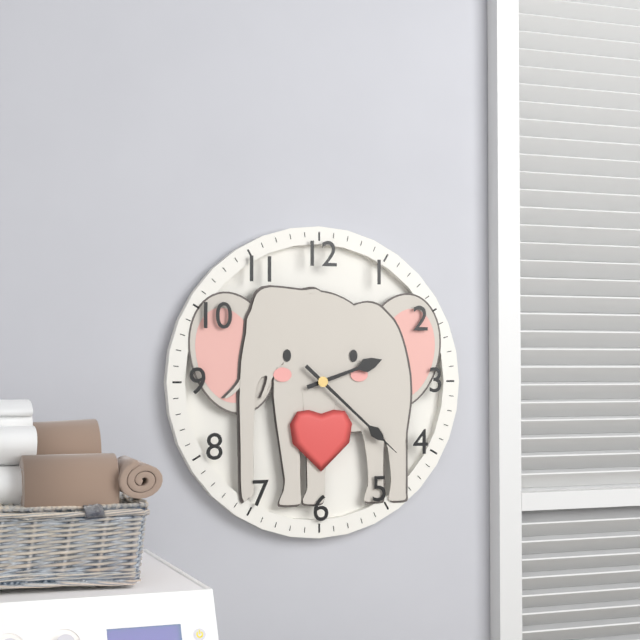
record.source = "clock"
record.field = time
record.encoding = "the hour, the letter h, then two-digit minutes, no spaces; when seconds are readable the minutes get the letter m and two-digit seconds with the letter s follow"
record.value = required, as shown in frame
2h22
